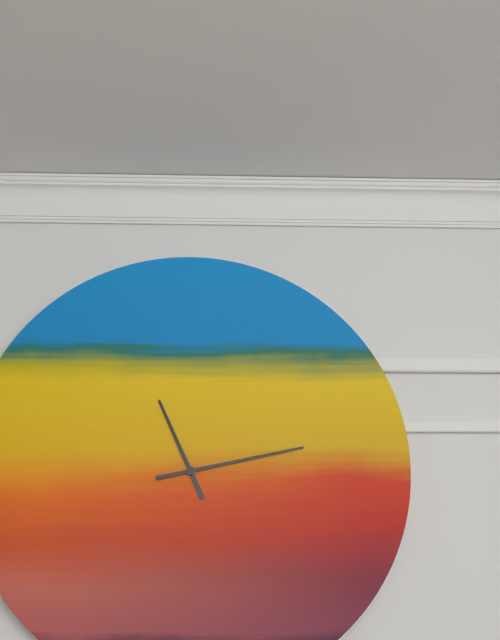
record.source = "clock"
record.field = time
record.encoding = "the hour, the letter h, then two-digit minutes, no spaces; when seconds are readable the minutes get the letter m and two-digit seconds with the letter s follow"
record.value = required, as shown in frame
11h13
